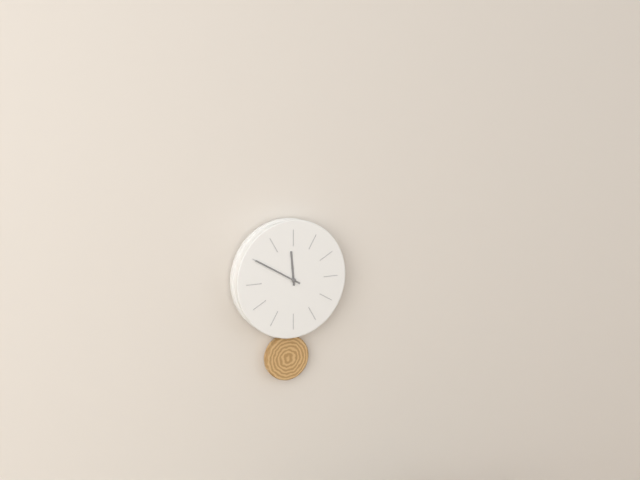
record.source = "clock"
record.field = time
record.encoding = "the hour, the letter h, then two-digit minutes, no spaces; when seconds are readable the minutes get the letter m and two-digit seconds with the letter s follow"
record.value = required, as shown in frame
11h50
